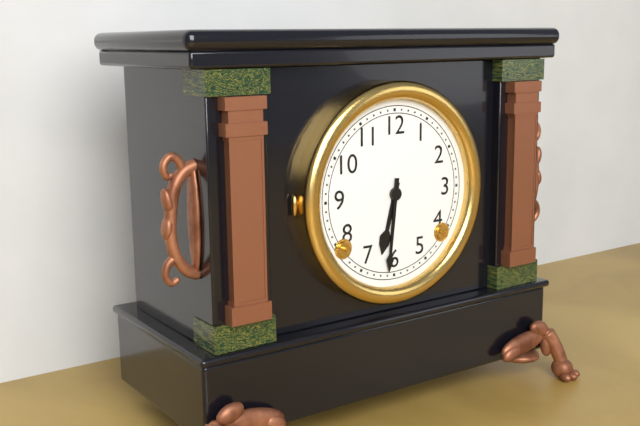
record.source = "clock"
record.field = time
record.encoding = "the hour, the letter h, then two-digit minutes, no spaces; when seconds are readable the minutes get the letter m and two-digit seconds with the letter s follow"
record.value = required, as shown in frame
6h31
